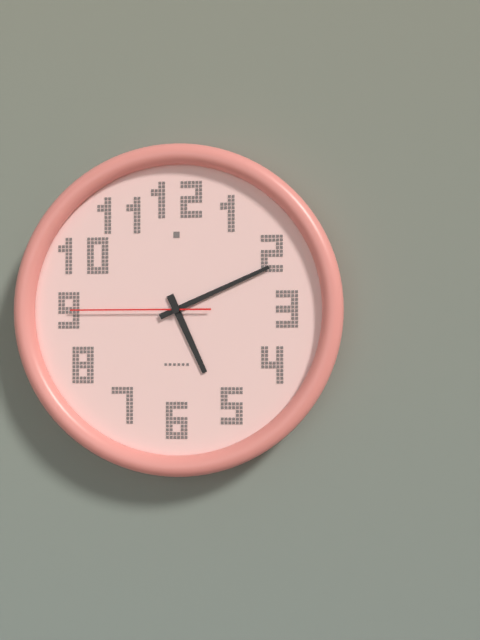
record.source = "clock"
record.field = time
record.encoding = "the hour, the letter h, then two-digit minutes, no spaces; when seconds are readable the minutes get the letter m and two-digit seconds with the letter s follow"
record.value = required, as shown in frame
5h11m45s
